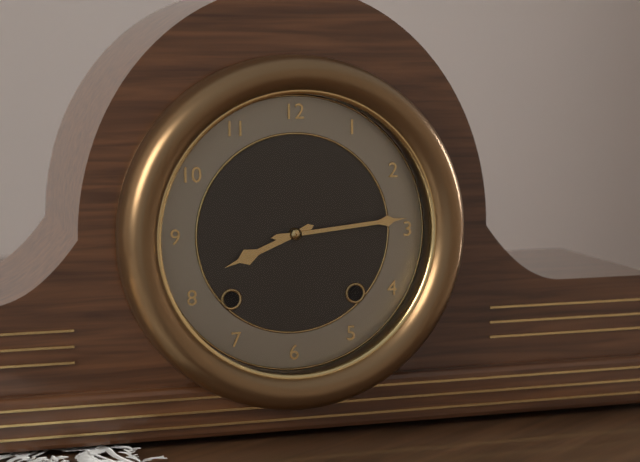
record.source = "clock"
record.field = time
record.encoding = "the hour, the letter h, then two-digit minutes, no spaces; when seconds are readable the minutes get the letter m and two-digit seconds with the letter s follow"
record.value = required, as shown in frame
8h14
